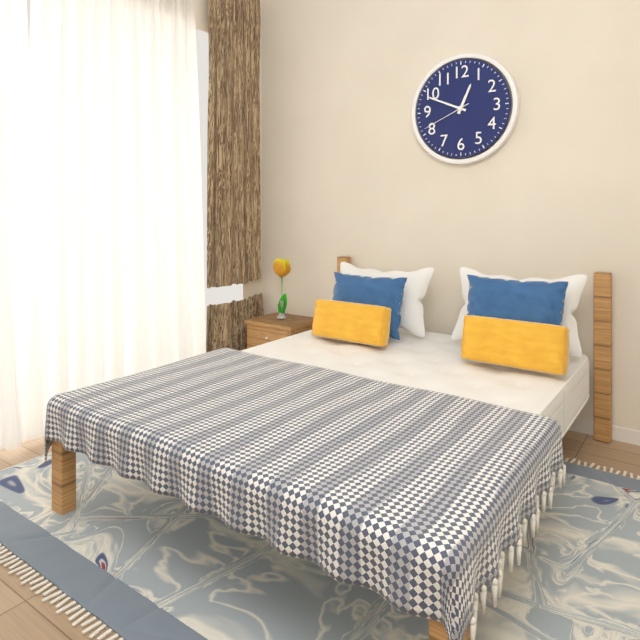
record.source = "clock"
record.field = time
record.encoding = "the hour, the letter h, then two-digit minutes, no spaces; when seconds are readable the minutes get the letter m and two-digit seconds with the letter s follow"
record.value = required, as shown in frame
12h49m41s
